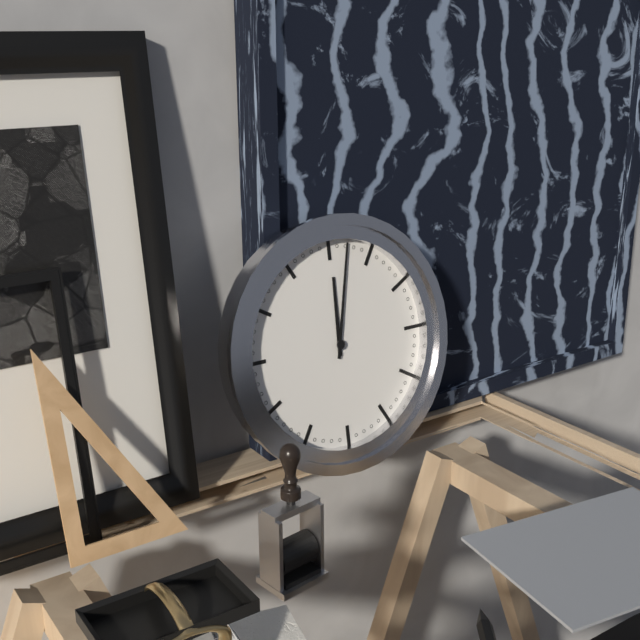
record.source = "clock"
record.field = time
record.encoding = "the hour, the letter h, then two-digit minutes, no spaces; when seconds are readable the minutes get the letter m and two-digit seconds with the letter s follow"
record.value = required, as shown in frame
12h02
